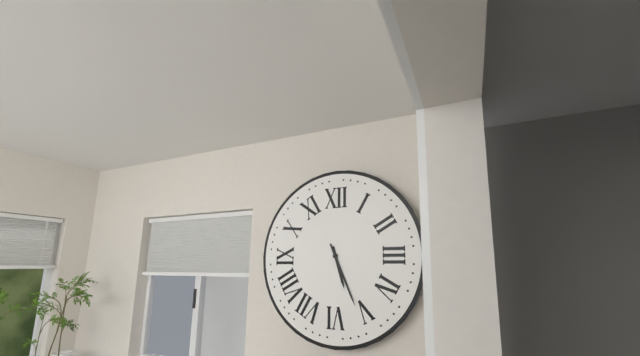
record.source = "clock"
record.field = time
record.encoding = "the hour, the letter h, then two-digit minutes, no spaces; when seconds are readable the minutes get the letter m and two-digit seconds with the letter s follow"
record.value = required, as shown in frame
5h26
